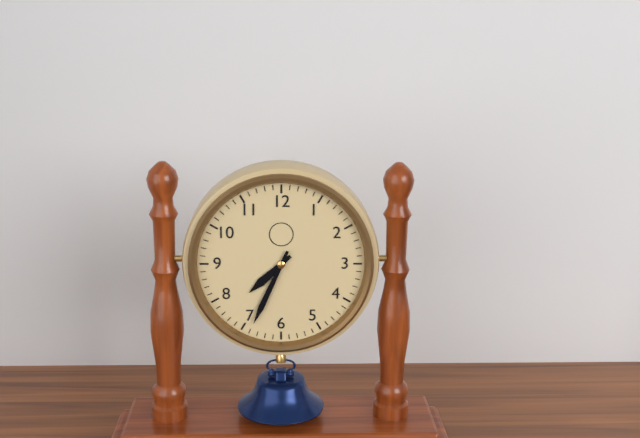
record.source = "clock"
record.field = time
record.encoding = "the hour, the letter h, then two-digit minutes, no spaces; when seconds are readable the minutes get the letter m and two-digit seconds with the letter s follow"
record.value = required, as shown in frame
7h34
